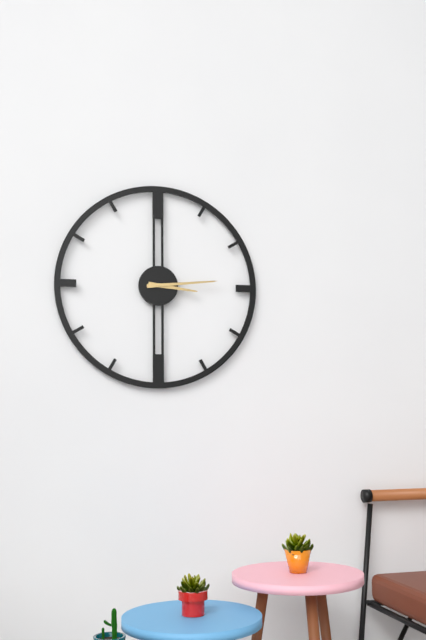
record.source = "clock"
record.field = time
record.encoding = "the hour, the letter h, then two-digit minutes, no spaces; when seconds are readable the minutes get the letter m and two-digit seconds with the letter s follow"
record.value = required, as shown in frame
3h14
